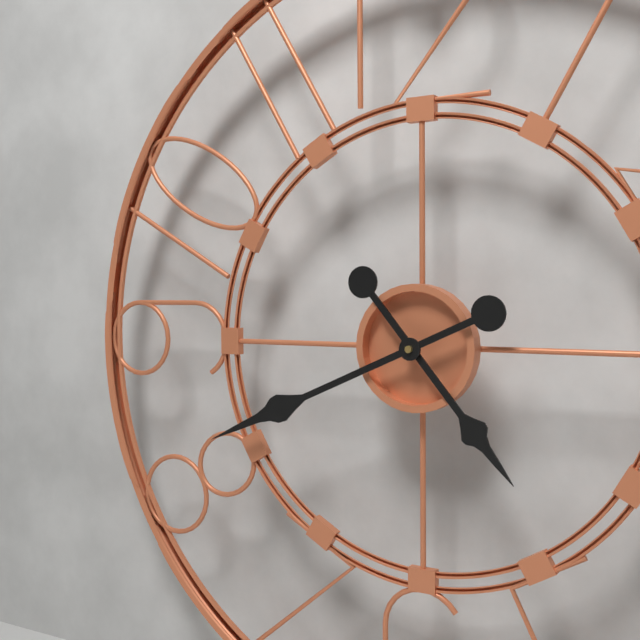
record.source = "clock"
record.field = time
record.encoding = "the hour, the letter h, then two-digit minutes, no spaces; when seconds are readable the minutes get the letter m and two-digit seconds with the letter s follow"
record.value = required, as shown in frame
4h41
